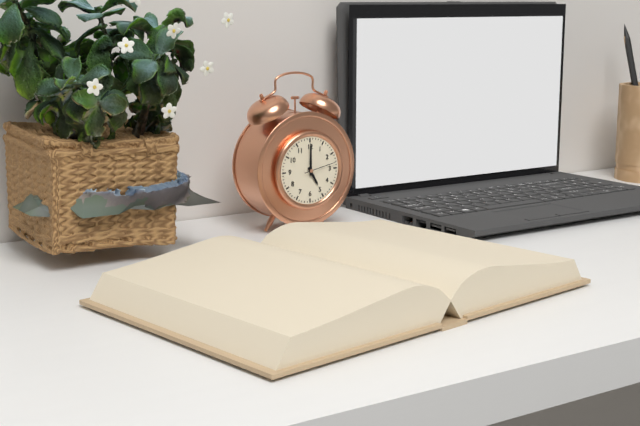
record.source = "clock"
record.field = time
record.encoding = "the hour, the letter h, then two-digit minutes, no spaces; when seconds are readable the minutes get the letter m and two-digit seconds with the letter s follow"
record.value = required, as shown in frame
5h00
